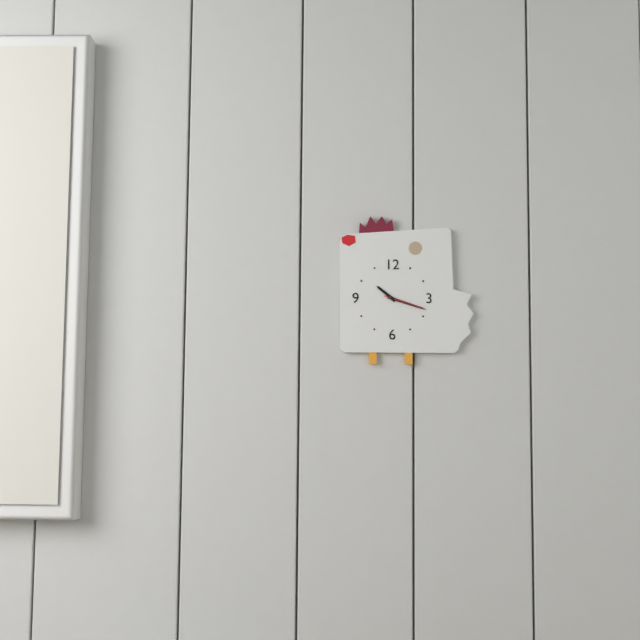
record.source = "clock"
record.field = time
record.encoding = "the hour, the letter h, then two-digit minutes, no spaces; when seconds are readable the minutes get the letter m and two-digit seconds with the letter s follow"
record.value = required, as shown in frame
10h18
